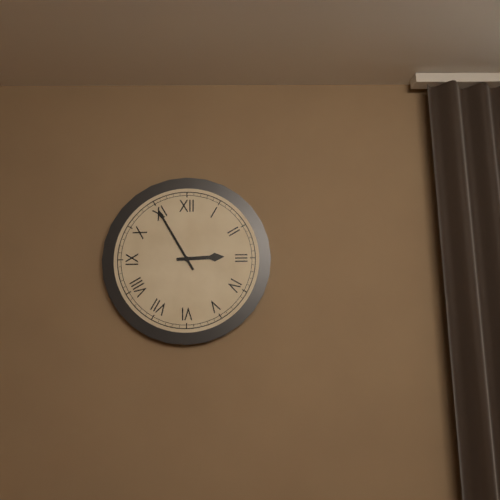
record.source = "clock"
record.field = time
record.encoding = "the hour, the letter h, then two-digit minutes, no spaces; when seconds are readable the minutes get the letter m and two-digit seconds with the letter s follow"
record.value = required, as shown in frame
2h55
